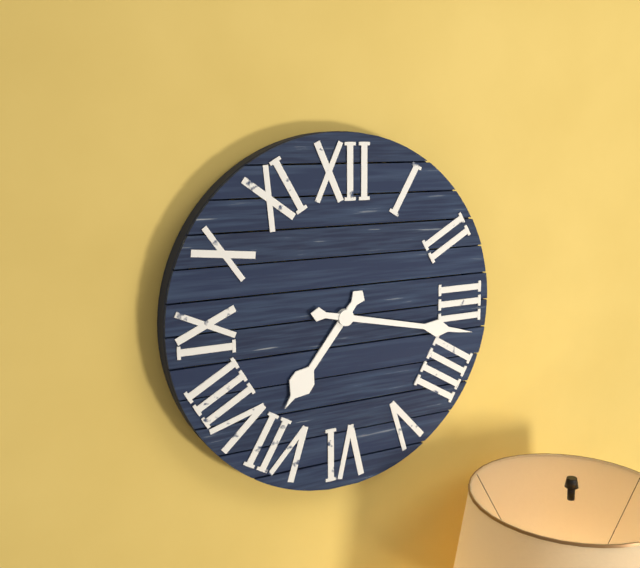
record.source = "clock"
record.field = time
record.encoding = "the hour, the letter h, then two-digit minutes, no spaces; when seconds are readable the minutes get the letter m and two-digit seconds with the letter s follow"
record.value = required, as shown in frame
7h17
